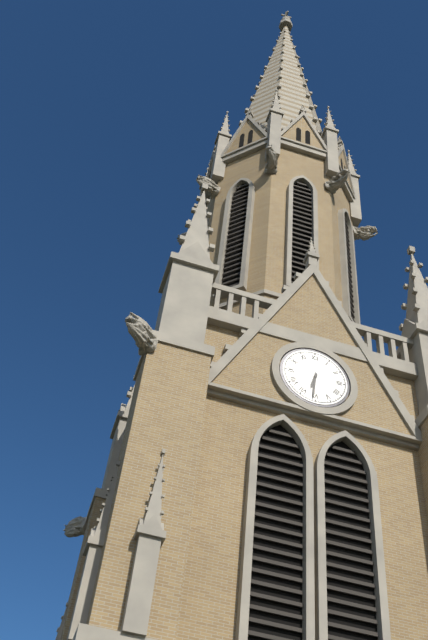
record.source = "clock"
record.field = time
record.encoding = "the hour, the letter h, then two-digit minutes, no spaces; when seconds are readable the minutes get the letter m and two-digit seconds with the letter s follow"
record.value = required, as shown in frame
6h31
